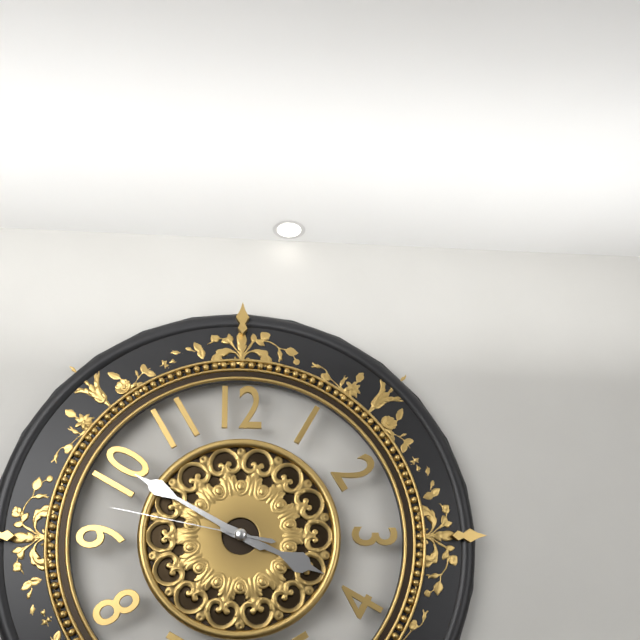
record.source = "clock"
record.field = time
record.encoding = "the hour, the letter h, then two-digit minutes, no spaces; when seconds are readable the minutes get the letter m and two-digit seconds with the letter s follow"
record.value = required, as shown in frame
3h50m47s
